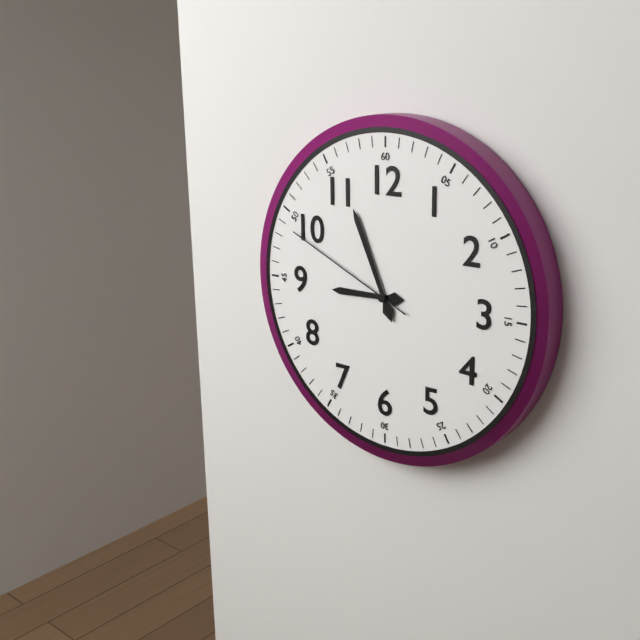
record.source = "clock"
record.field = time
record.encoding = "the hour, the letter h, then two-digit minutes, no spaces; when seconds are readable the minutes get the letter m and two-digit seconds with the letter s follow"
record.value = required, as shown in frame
8h56m49s
